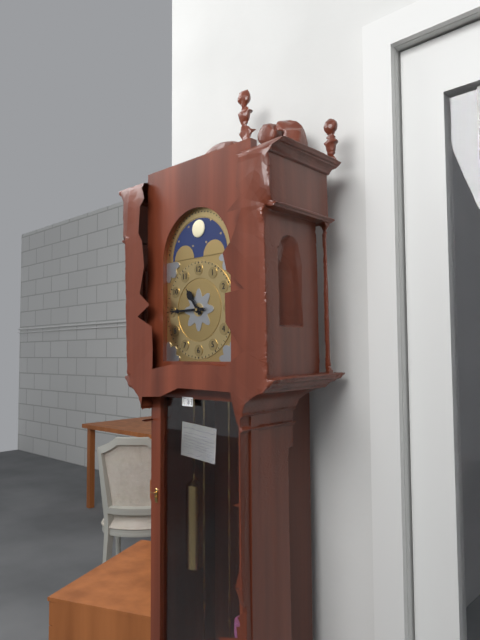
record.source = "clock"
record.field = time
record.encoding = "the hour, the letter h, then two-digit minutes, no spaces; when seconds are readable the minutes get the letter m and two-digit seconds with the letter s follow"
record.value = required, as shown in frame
10h45
